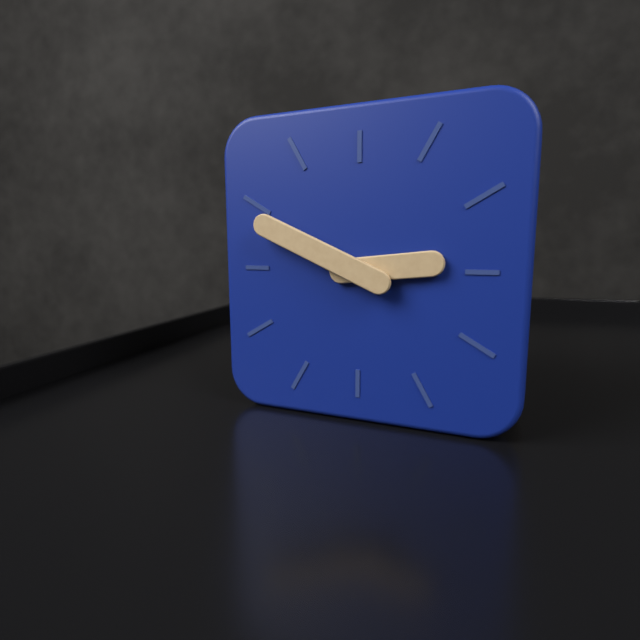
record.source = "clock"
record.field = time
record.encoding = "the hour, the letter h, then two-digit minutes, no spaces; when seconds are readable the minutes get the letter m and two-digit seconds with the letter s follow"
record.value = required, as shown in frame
2h49
